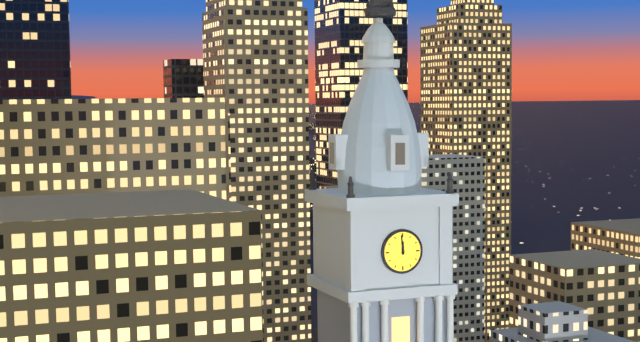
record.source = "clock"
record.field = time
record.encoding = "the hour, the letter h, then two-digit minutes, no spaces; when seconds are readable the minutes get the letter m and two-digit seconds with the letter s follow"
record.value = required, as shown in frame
11h59
